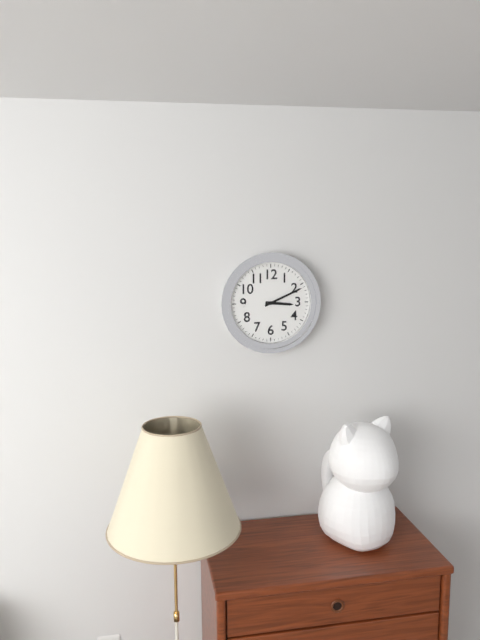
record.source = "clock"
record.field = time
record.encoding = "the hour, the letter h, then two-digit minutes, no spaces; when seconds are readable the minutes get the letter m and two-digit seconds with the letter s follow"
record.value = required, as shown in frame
3h11
